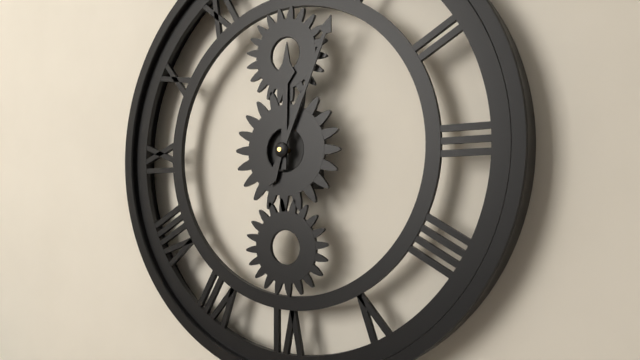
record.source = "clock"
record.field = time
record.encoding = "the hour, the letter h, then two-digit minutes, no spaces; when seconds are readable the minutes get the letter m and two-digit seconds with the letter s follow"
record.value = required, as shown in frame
12h04
